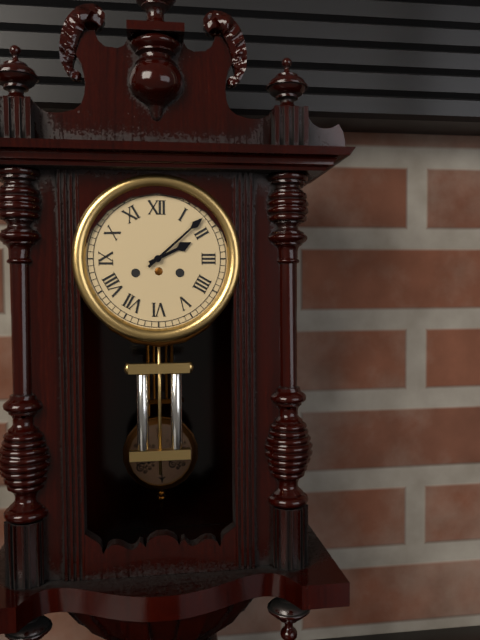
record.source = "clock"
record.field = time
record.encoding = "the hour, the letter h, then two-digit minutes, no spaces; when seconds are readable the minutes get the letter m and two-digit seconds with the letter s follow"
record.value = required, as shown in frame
2h08
